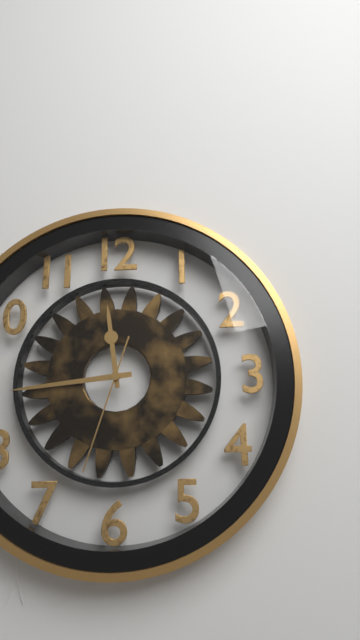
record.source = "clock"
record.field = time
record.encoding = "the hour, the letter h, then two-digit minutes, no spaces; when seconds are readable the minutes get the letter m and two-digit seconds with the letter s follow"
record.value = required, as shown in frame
11h44m33s
